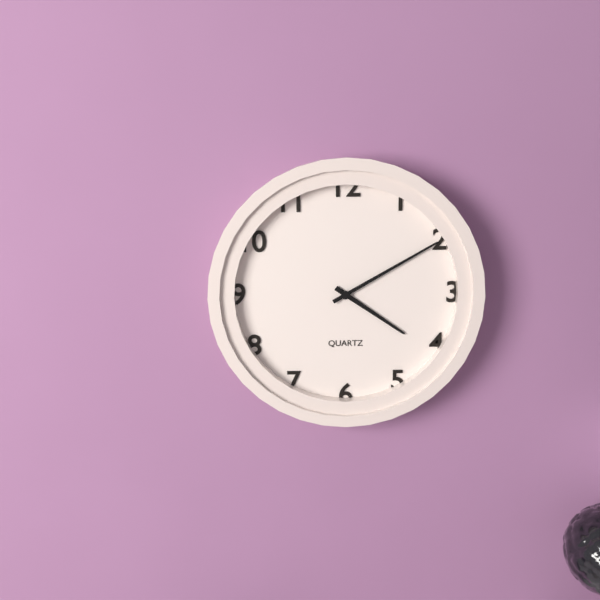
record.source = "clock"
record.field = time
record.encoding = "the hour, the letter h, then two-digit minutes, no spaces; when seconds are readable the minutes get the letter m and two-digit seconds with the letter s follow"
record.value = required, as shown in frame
4h10
